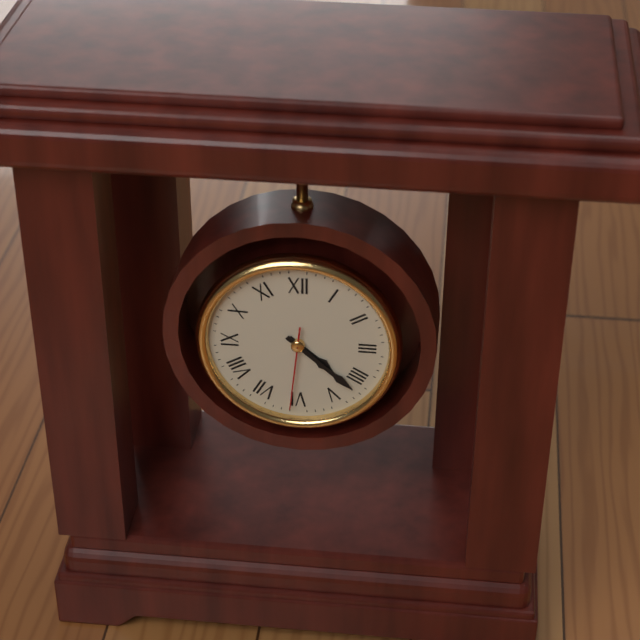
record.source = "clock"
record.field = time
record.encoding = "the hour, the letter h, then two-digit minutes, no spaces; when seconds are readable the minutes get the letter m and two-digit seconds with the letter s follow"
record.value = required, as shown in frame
4h22m31s
